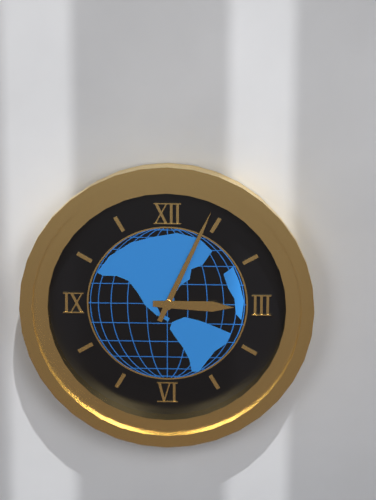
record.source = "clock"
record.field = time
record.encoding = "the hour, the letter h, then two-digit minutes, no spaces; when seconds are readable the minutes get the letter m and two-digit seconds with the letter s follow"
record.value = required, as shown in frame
3h04
